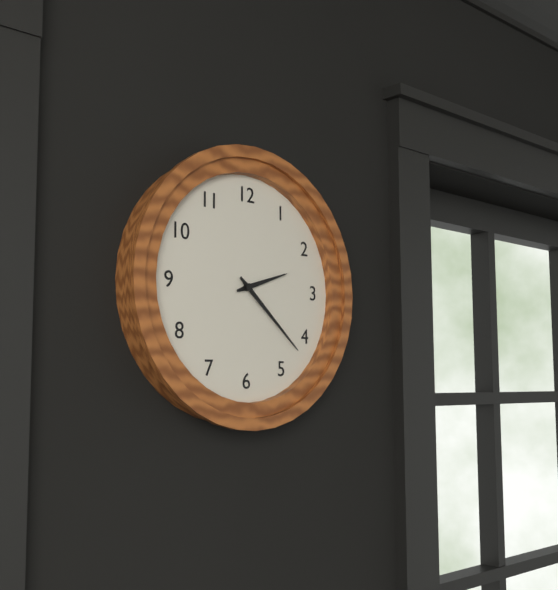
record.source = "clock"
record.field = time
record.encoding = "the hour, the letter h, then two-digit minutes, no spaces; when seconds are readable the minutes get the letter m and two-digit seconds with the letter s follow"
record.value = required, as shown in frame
2h22
